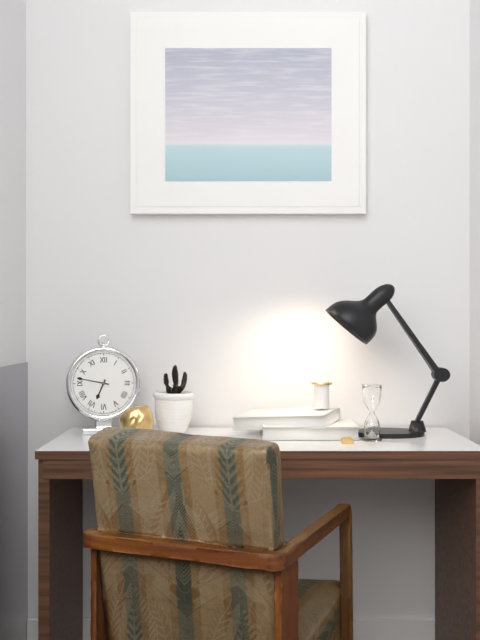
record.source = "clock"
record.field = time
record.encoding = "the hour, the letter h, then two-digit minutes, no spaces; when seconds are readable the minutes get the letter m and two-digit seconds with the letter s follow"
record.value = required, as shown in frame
6h47
